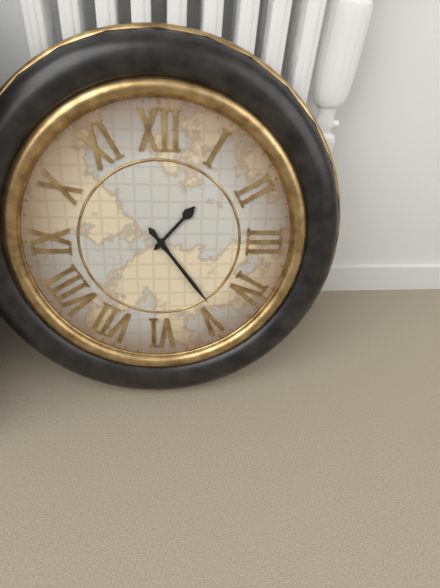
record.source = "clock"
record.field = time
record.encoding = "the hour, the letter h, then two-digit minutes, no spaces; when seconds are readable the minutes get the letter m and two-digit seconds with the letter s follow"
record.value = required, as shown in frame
1h24
